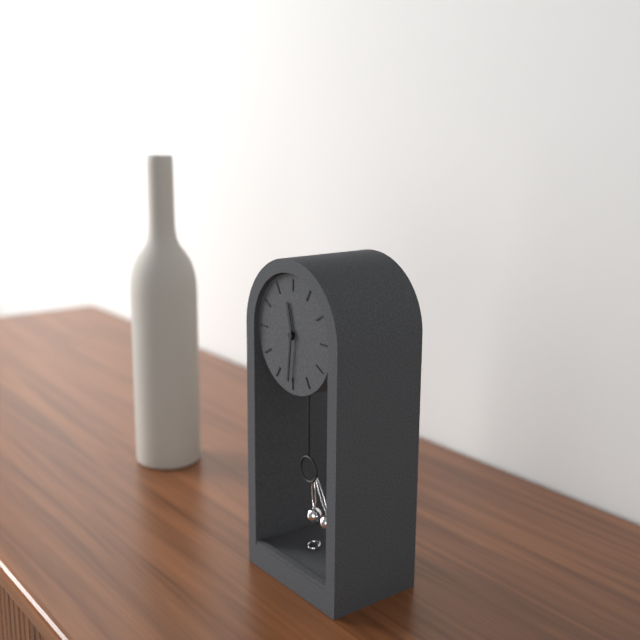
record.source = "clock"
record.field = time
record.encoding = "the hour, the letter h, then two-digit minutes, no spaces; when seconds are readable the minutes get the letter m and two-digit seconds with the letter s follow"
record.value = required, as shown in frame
11h31
